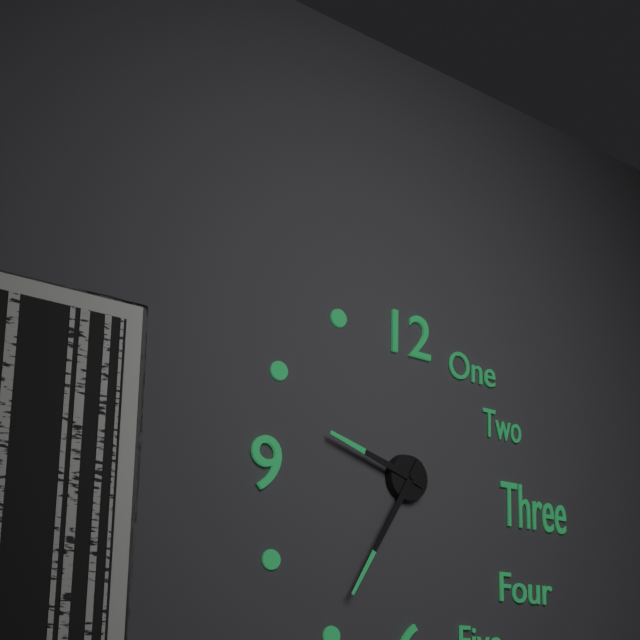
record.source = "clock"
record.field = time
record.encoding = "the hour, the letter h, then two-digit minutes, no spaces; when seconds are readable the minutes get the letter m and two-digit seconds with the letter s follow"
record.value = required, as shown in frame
9h35
